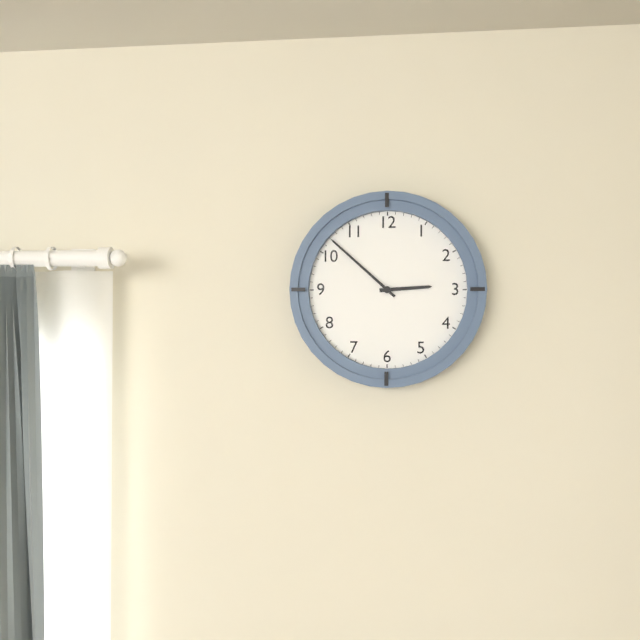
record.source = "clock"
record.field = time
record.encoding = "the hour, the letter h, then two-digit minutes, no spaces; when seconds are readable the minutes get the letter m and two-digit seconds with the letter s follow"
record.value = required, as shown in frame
2h52
